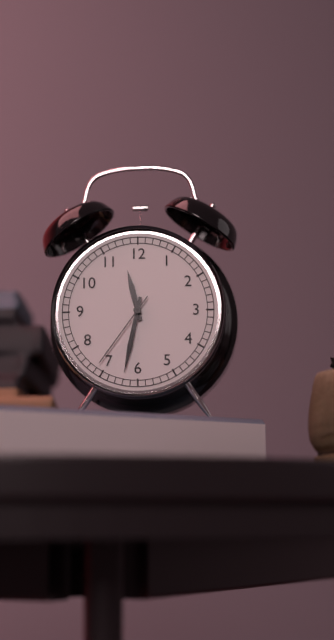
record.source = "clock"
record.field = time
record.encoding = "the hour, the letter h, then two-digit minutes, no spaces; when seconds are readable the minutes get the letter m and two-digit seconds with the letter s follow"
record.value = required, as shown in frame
11h32m36s
